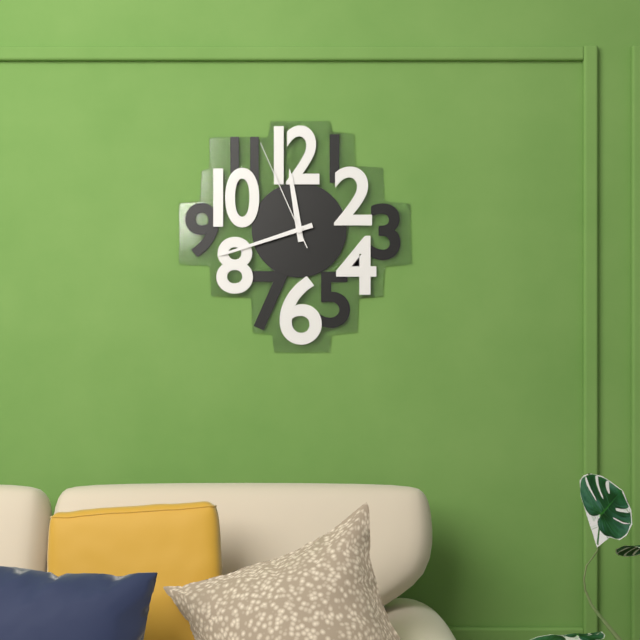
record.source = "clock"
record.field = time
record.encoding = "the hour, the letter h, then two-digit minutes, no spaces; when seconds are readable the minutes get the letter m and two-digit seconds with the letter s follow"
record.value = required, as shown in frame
11h42m56s
